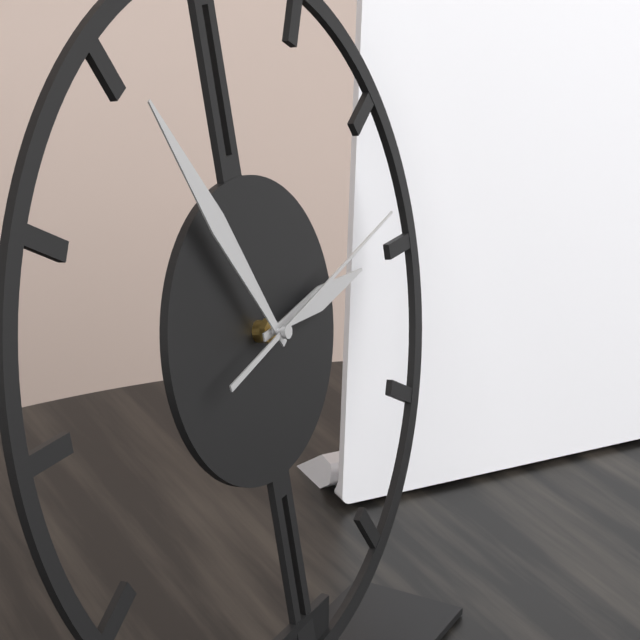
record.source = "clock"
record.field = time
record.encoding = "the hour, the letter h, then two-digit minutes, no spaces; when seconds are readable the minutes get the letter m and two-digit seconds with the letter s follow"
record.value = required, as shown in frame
2h55m13s
